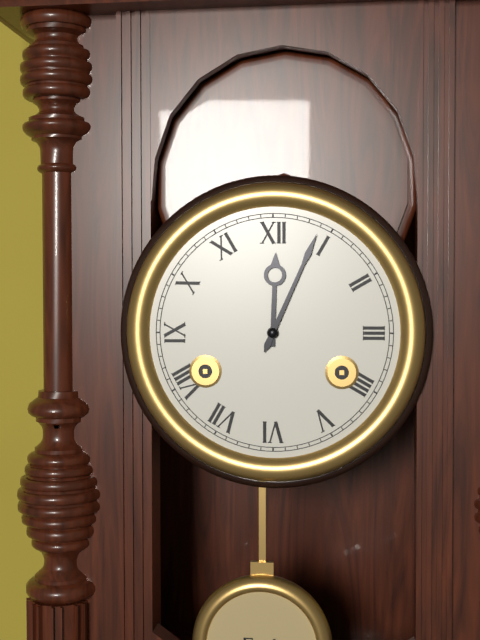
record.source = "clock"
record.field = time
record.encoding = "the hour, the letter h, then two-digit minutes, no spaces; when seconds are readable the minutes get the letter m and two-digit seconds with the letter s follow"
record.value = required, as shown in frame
12h04
